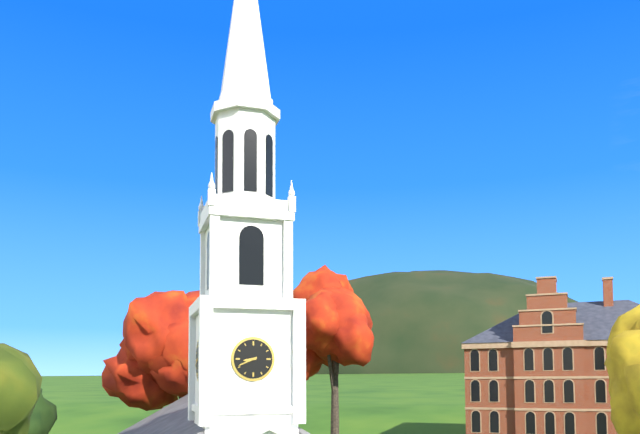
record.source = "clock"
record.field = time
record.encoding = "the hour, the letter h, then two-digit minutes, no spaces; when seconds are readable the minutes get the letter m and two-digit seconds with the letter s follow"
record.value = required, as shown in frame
8h41
